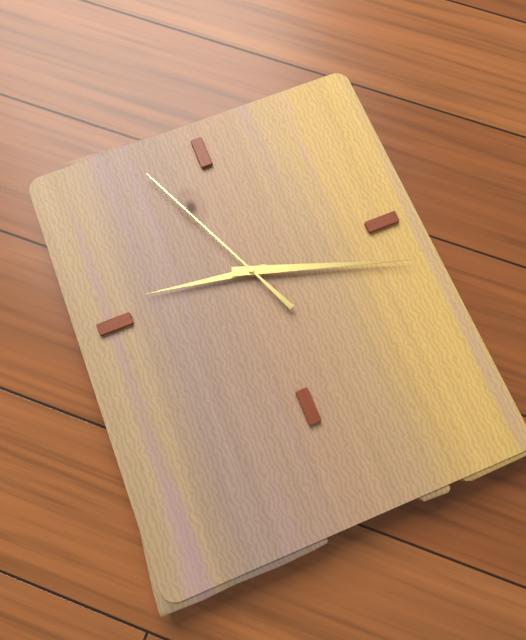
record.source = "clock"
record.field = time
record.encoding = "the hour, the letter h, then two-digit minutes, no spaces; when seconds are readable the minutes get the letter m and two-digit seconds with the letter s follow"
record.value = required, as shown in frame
9h18m56s
